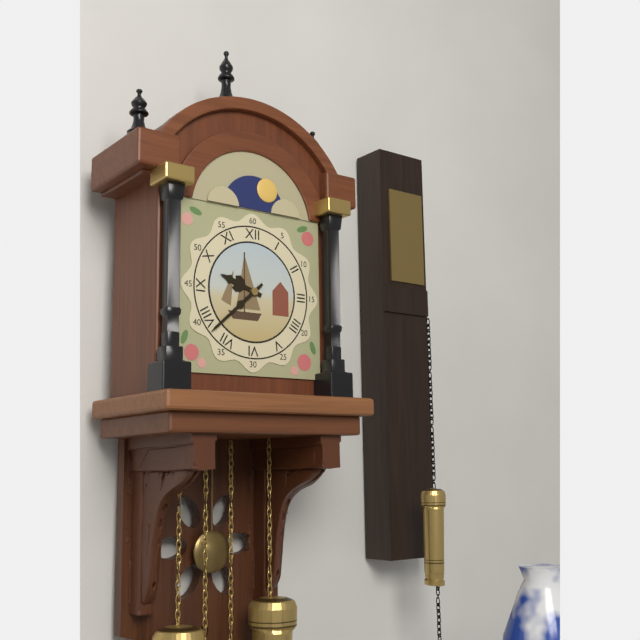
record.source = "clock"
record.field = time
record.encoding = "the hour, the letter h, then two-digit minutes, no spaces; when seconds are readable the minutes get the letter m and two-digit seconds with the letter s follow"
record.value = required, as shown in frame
9h38
